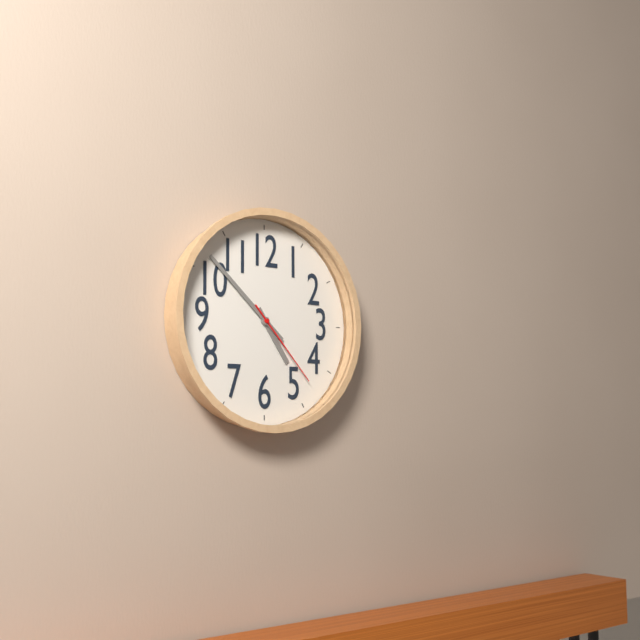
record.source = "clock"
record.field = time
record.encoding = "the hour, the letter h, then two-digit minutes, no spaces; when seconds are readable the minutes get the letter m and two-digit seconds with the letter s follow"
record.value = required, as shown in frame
4h52m23s
